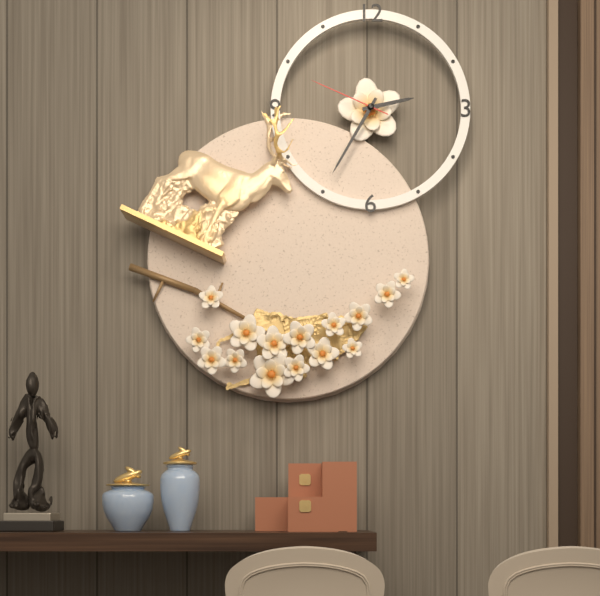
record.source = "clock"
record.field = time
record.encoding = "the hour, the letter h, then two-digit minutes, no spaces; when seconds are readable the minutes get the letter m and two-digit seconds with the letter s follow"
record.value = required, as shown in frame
2h35m49s
